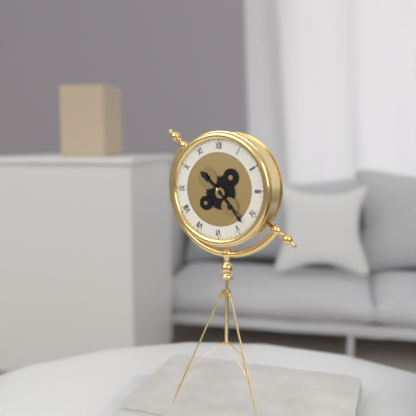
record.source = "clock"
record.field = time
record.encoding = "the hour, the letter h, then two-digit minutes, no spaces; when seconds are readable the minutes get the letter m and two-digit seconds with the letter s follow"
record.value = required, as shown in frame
10h23
